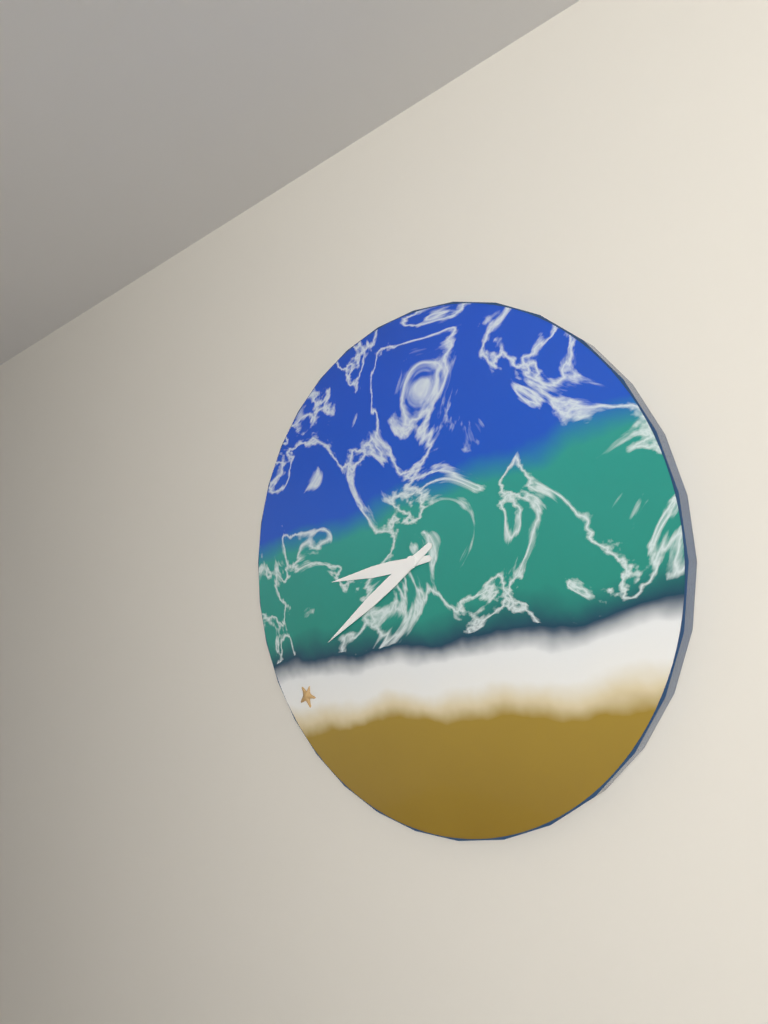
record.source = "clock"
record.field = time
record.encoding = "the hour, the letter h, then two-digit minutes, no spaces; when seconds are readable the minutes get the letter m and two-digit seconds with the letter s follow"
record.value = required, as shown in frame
8h39
